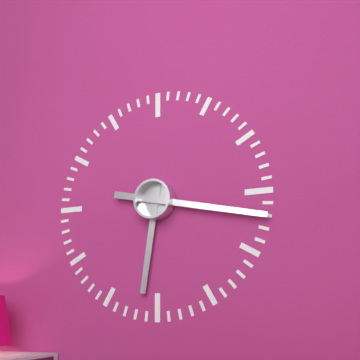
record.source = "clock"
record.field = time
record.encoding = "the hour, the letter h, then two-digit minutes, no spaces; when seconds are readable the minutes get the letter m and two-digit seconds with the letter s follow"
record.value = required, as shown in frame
6h17
